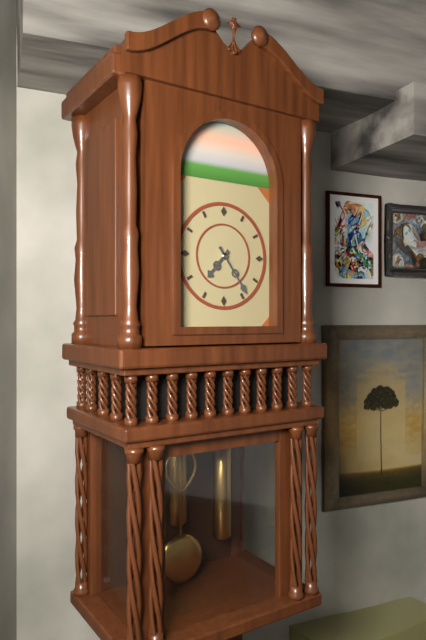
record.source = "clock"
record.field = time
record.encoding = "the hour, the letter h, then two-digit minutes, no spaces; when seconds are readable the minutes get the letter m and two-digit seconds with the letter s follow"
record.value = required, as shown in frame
7h24
